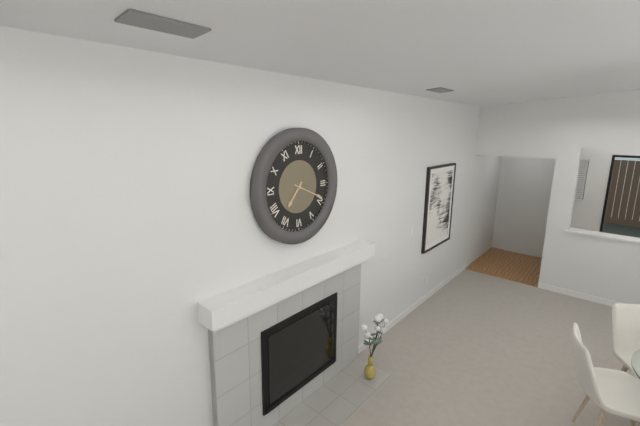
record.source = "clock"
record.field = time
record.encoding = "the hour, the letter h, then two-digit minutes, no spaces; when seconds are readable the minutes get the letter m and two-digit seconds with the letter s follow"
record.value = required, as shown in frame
7h19
